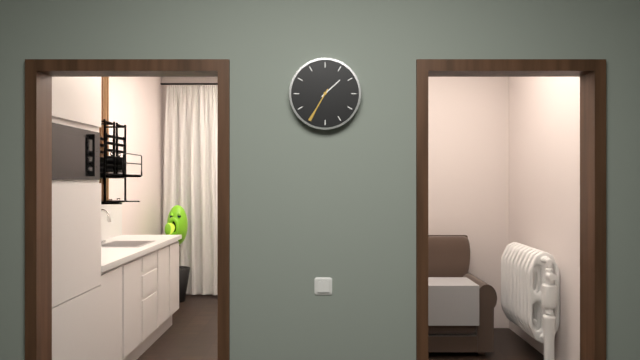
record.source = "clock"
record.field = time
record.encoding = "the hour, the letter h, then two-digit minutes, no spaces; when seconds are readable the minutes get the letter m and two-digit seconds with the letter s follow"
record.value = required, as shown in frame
1h35
